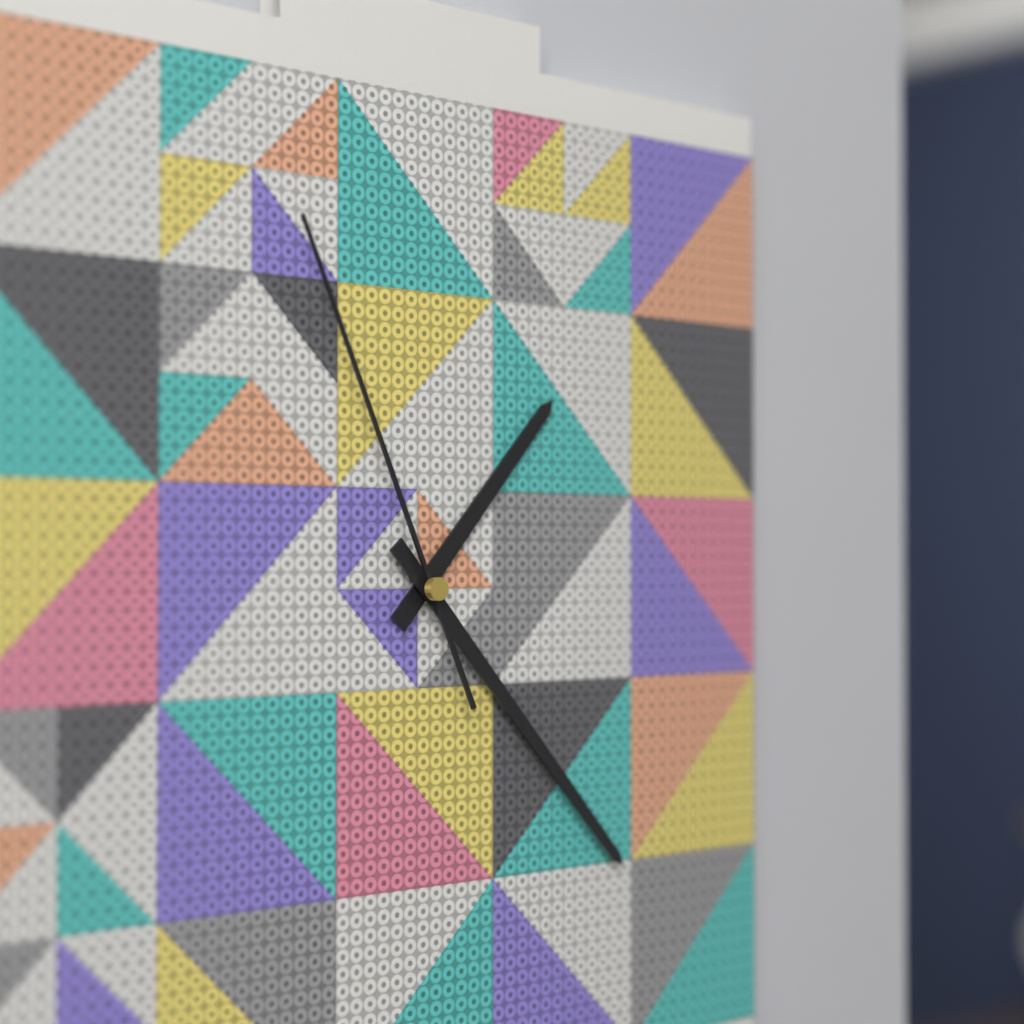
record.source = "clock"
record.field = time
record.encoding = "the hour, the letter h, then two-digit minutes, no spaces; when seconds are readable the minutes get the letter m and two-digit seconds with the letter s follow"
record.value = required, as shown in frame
1h23m56s
